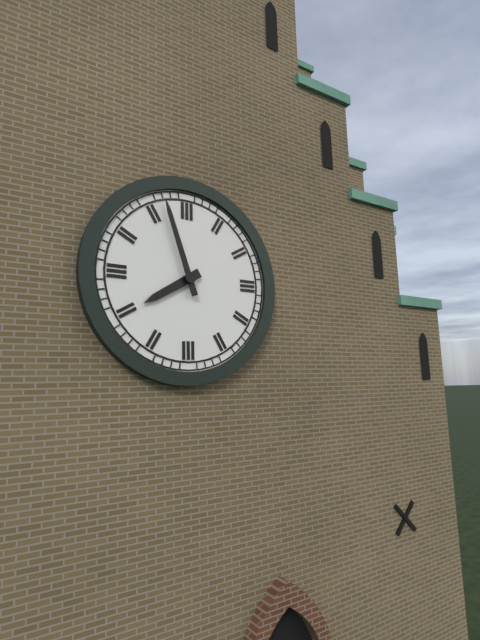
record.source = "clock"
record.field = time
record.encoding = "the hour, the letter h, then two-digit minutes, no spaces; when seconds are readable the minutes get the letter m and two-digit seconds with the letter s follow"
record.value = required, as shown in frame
7h57
